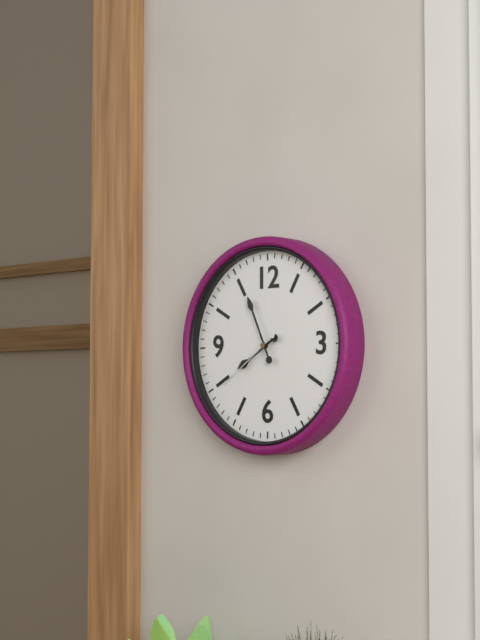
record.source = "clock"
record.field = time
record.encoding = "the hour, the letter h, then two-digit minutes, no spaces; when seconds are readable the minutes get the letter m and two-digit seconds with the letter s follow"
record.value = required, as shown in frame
7h56m39s
